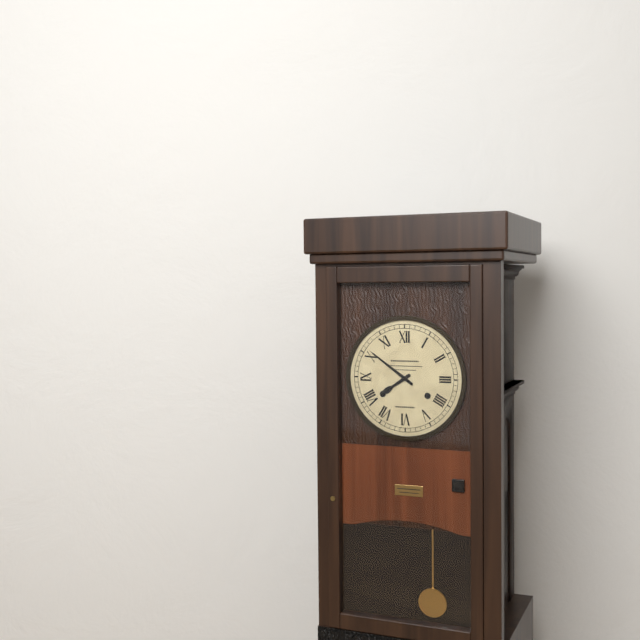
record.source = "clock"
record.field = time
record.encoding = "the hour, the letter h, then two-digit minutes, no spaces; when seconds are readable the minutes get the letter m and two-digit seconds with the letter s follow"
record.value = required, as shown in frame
7h51
